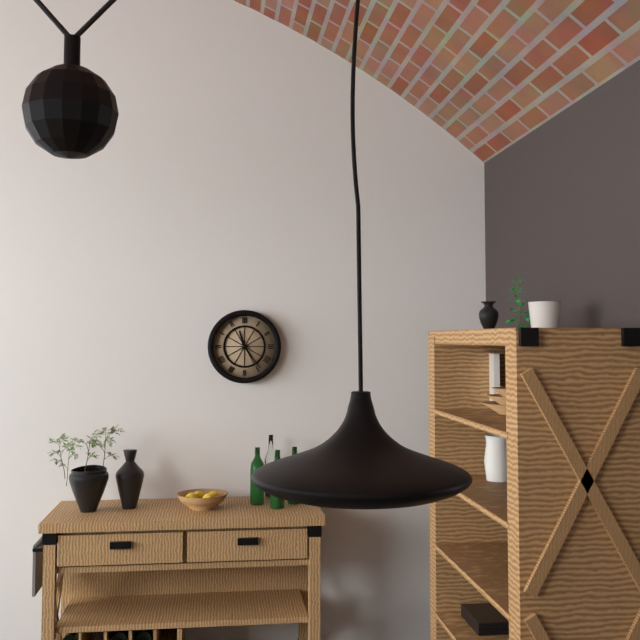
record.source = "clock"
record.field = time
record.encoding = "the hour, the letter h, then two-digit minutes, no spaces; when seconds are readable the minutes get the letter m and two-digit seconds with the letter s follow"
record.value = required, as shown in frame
11h24
